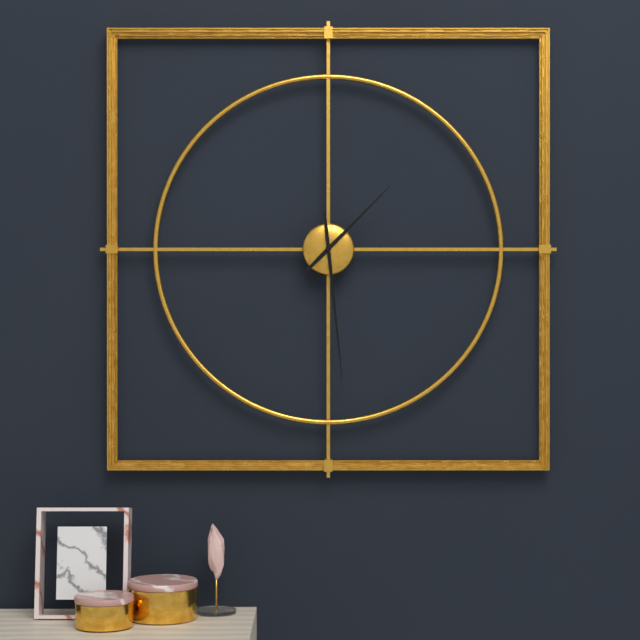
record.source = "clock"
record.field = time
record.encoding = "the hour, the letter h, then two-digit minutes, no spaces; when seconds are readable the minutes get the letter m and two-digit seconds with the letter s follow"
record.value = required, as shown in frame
1h29
